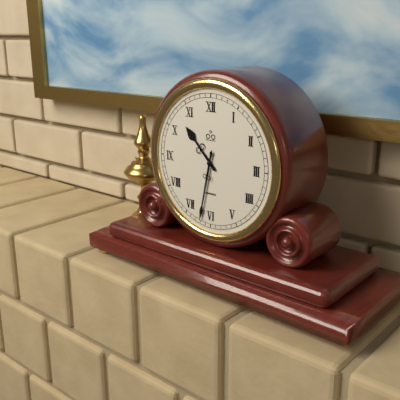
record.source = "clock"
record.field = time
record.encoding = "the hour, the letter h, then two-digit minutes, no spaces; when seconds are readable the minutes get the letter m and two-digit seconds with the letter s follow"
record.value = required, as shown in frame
10h32
